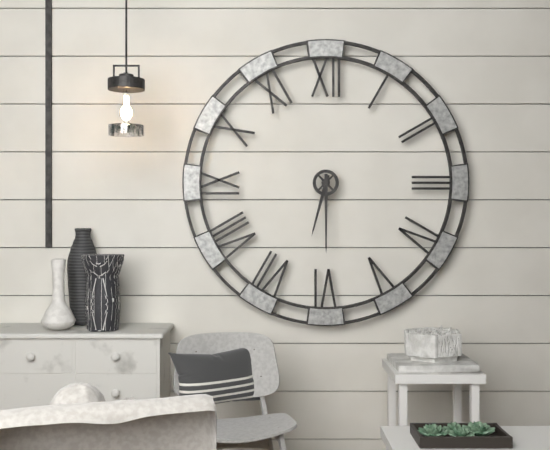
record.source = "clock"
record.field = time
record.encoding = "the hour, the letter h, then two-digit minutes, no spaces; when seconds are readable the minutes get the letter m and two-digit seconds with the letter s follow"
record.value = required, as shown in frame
6h30
